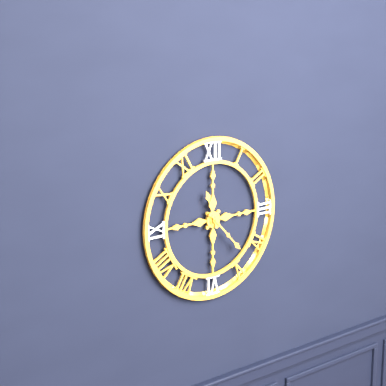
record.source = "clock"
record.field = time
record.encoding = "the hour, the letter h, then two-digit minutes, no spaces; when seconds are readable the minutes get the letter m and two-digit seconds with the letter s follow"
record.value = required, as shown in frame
11h23
